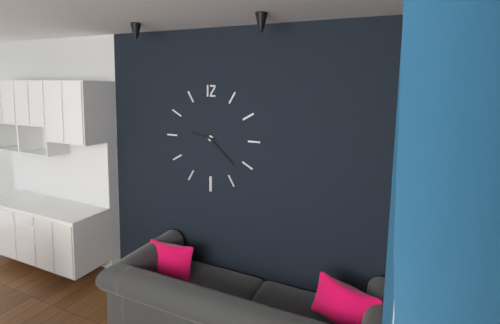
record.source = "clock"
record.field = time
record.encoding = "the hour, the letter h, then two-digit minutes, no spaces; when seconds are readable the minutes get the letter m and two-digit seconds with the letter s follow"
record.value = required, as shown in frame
9h22
